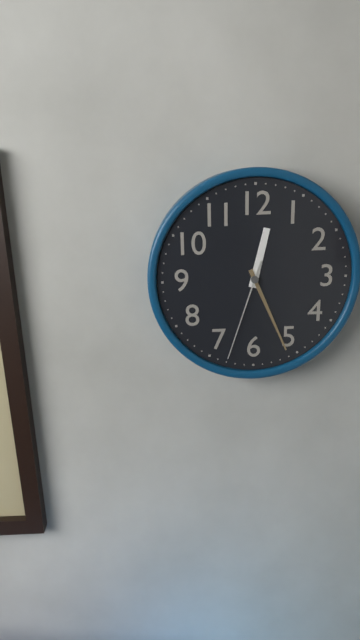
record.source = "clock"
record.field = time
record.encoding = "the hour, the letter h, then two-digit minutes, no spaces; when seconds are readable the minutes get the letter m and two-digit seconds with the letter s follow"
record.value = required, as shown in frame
12h26m33s
